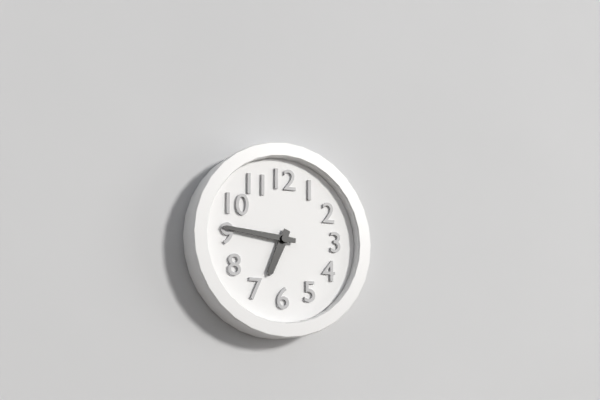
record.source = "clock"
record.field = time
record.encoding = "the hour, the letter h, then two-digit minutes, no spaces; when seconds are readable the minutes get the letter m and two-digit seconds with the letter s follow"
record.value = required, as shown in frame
6h46
